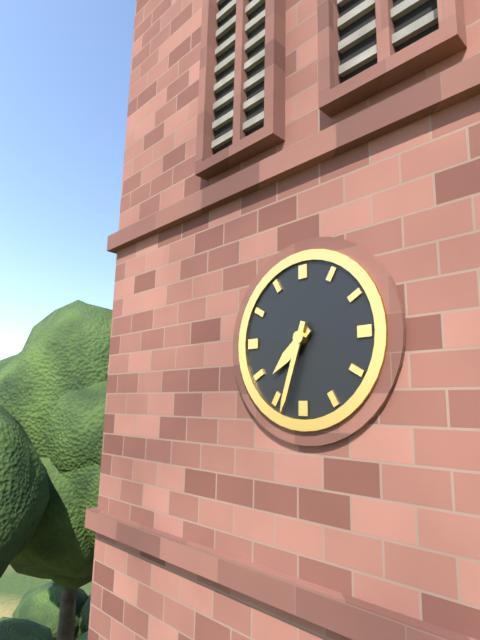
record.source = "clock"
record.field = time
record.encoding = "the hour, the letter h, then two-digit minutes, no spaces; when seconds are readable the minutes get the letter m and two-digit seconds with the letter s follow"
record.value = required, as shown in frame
7h33
